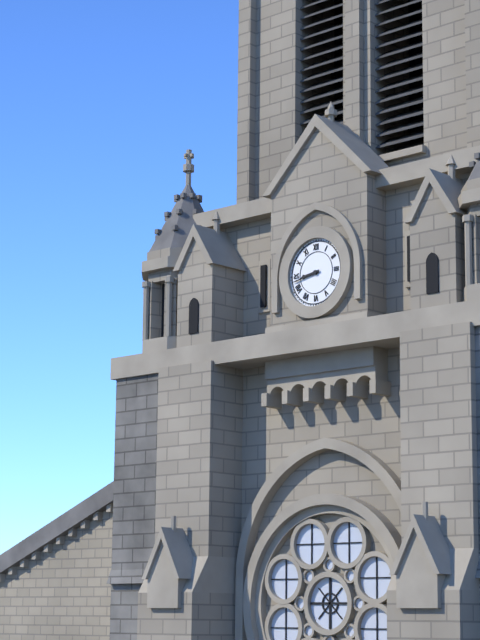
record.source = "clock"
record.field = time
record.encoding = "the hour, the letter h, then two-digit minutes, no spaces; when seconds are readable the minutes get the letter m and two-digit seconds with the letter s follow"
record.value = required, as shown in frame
8h43
